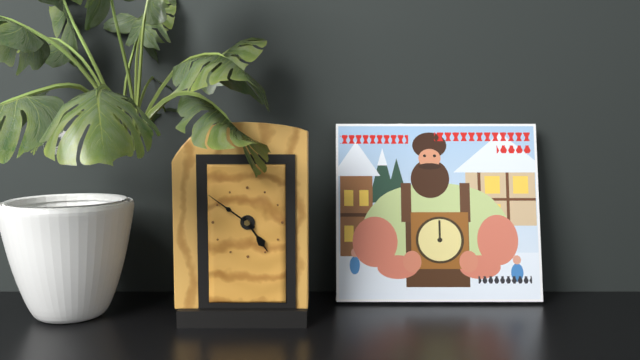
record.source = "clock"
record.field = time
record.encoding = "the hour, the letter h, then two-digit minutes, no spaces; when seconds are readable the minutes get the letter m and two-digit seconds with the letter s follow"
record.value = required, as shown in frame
4h51
